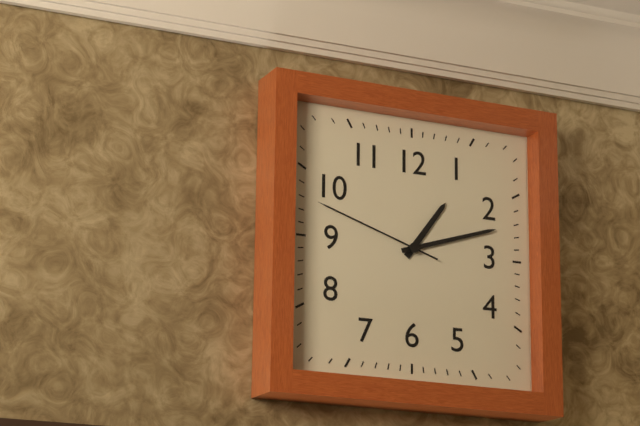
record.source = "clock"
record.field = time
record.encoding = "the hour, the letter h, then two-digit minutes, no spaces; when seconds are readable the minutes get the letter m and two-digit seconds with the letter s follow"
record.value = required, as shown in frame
1h12m48s
